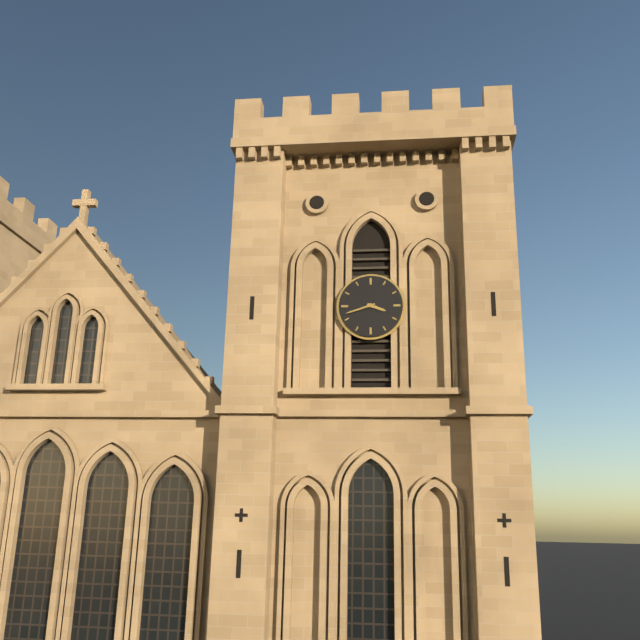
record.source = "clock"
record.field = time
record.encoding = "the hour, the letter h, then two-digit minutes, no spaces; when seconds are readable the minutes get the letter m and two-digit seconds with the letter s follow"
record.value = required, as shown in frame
3h42
